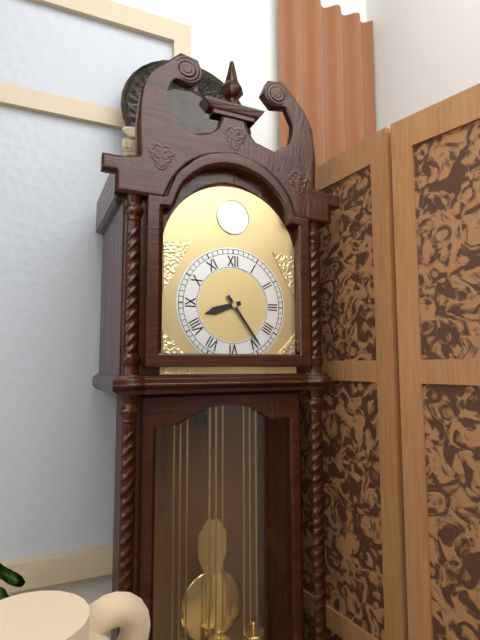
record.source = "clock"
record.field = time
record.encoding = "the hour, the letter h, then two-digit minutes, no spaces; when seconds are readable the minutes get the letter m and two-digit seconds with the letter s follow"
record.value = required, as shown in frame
8h24
